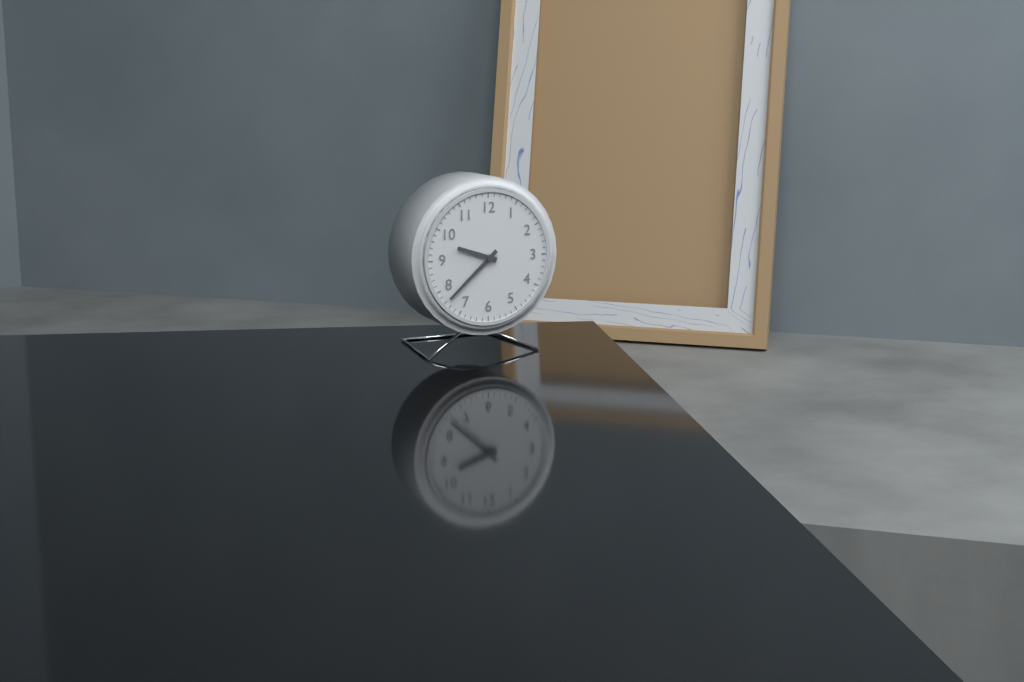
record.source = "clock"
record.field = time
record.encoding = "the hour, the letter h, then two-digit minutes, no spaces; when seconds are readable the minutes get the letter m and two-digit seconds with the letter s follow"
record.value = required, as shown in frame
9h38
